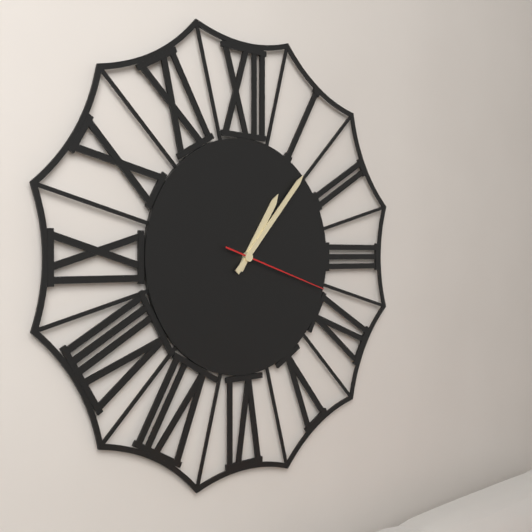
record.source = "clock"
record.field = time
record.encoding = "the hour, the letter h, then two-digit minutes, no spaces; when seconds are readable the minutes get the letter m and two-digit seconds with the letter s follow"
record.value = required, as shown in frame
1h07m18s
